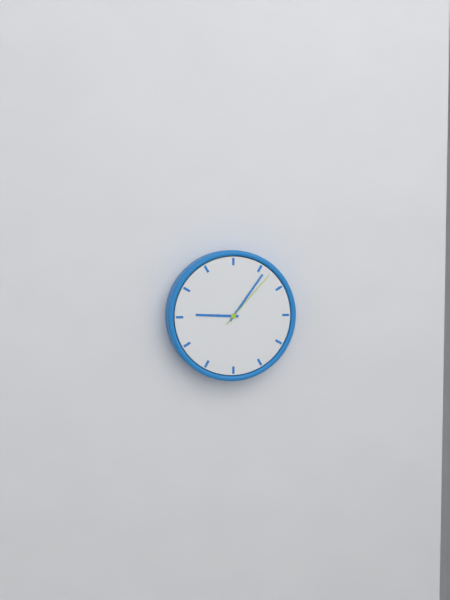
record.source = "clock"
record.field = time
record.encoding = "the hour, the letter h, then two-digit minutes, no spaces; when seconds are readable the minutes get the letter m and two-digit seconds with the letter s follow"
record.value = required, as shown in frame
9h06m07s
